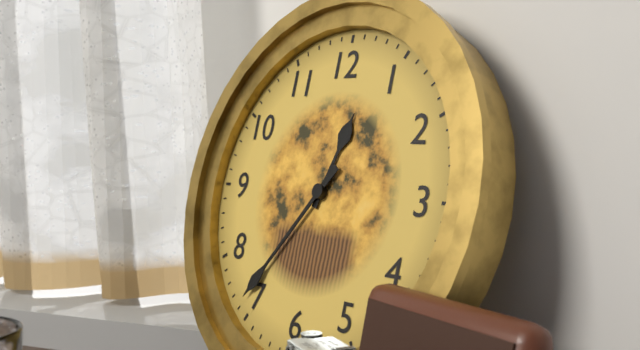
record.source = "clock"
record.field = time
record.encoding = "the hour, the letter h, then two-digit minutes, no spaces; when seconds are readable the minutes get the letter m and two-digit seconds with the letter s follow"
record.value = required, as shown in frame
12h36
